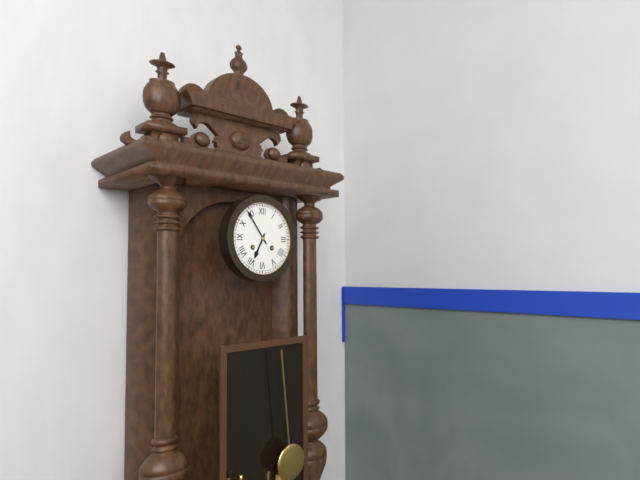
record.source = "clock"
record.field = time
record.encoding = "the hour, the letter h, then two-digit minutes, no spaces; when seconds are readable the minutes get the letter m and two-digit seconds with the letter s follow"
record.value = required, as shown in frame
6h54
